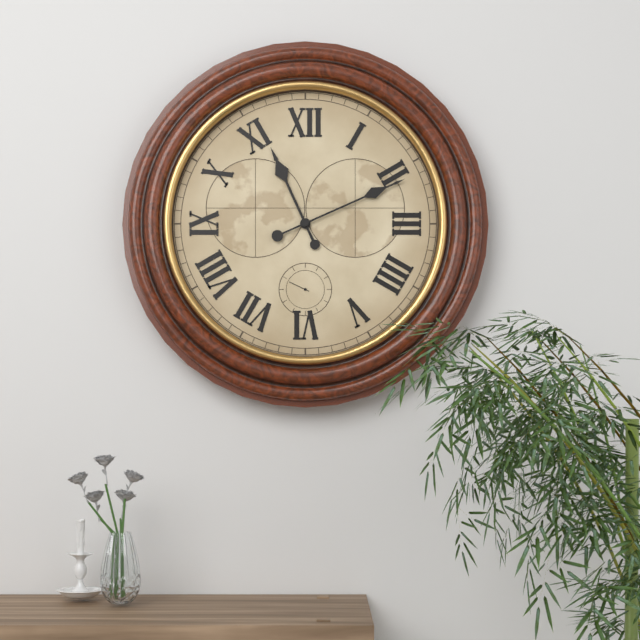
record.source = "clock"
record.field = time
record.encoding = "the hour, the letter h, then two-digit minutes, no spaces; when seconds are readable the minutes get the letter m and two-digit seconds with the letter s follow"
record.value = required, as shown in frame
11h11
